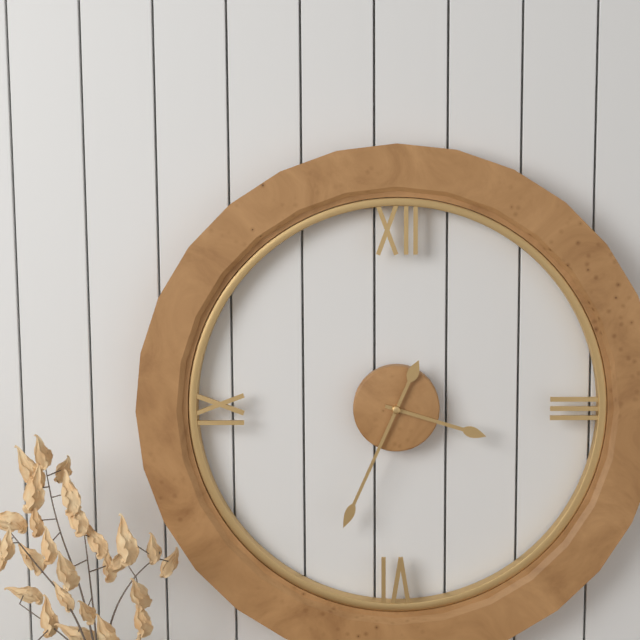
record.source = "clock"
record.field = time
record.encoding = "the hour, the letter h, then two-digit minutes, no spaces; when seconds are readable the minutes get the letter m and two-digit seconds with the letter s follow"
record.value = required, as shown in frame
3h34
